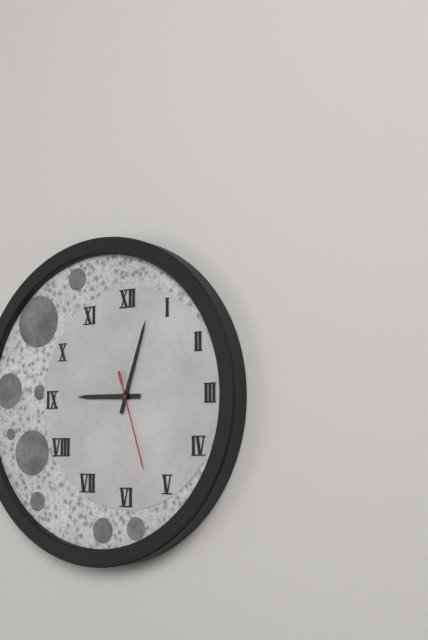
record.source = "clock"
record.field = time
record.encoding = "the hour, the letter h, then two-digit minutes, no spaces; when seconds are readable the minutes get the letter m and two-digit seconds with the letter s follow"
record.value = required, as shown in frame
9h03m27s
